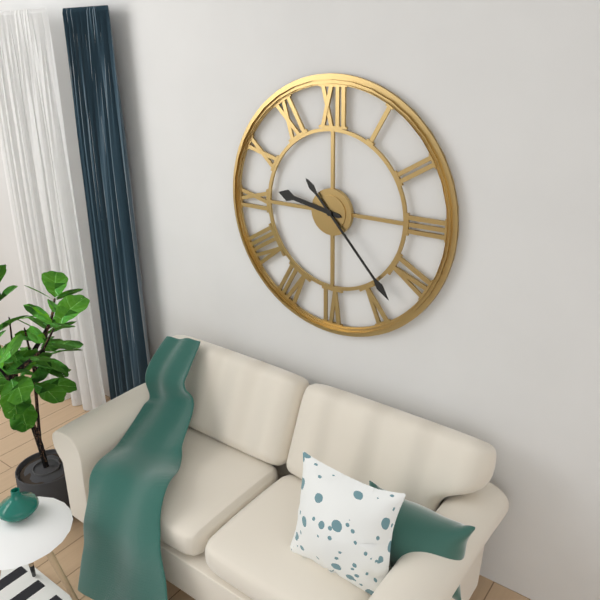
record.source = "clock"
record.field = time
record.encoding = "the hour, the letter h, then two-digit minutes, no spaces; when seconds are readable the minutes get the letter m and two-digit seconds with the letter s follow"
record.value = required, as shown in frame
9h23
